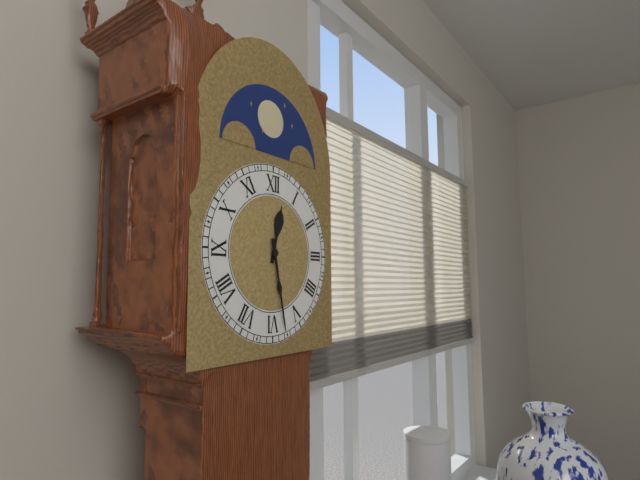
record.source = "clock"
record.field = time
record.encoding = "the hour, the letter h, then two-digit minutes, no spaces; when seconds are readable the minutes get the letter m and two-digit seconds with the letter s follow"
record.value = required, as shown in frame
12h28
